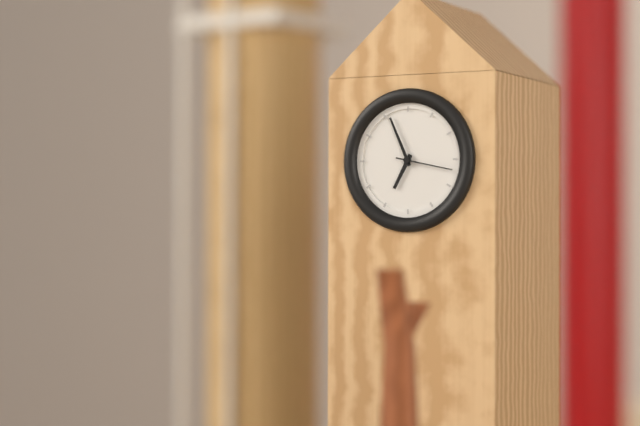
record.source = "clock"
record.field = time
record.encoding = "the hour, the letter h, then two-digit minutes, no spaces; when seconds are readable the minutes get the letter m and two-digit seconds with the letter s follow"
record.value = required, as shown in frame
6h56m17s
